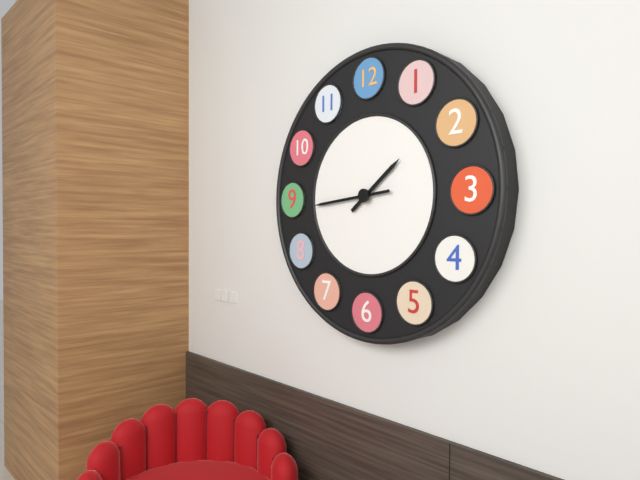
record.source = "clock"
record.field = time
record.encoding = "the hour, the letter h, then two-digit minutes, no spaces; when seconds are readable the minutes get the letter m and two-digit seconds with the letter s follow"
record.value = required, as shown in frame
1h44
